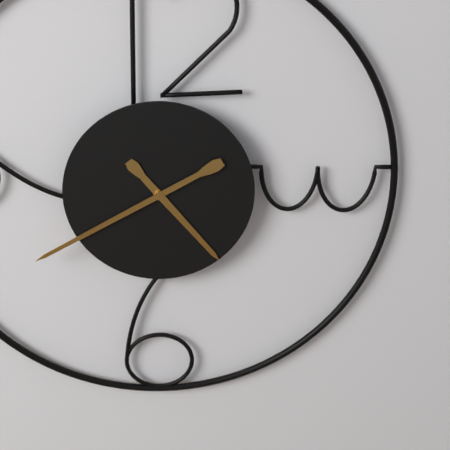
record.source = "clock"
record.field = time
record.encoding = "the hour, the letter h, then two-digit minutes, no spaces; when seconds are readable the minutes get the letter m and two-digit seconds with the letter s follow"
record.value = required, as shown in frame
4h40
